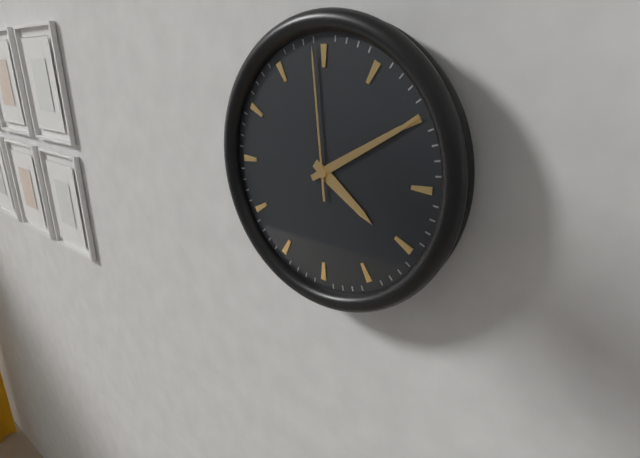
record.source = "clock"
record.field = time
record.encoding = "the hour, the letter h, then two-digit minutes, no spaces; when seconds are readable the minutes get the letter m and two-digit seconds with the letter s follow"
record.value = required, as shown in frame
4h10m59s
